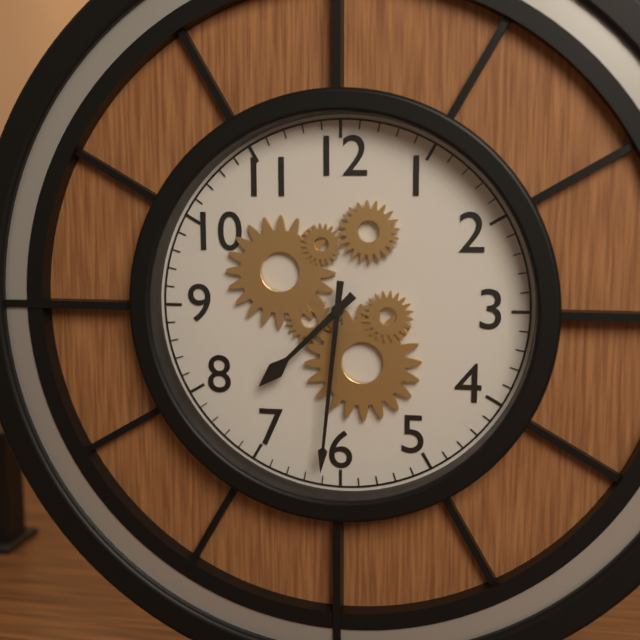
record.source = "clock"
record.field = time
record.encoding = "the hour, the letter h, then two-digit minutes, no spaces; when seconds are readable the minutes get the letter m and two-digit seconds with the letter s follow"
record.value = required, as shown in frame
7h31
